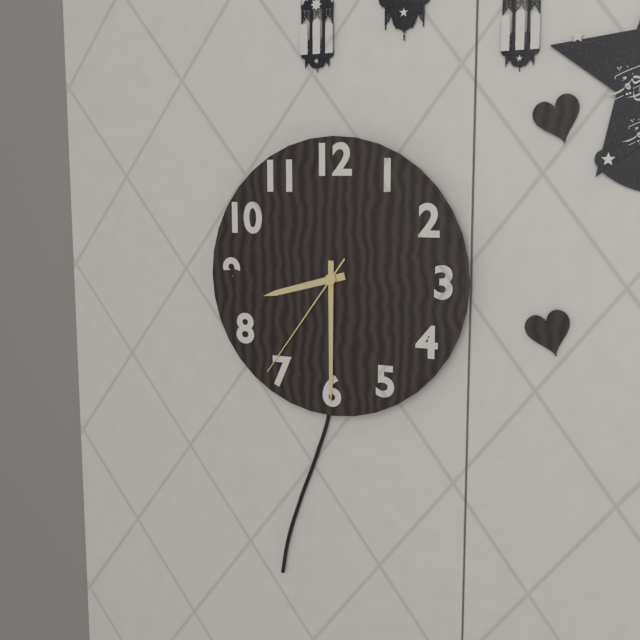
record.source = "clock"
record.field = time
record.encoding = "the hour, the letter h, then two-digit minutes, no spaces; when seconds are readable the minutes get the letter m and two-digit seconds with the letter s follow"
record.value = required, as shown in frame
8h30m36s
